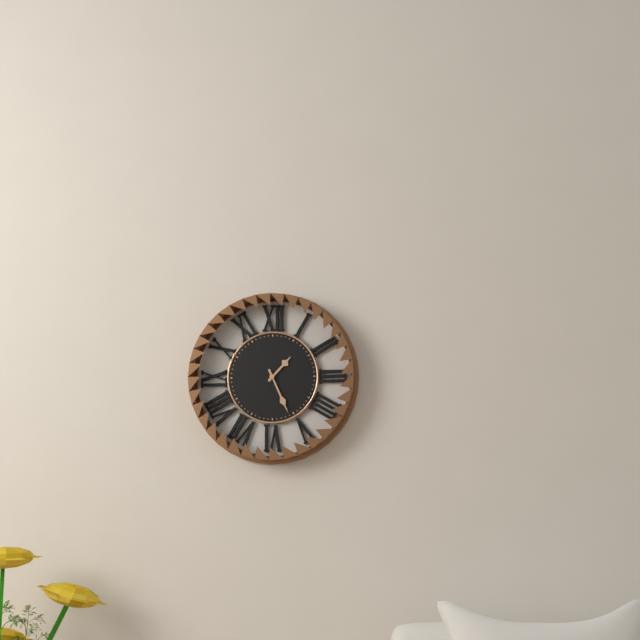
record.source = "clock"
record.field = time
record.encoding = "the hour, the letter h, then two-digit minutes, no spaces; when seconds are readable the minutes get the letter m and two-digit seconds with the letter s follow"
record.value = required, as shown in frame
1h26
